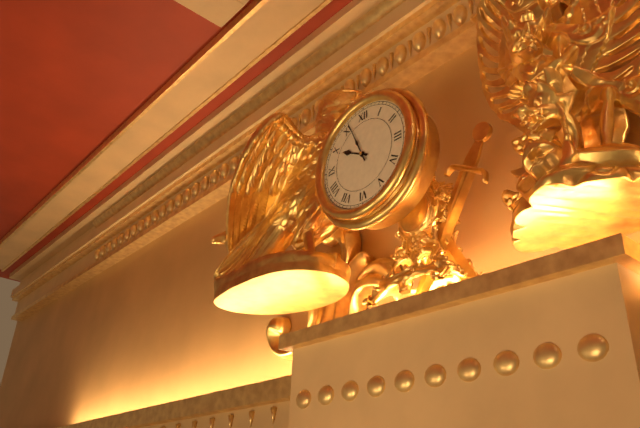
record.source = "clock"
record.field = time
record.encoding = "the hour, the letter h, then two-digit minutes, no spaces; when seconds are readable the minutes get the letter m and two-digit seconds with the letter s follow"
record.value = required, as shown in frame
9h56
